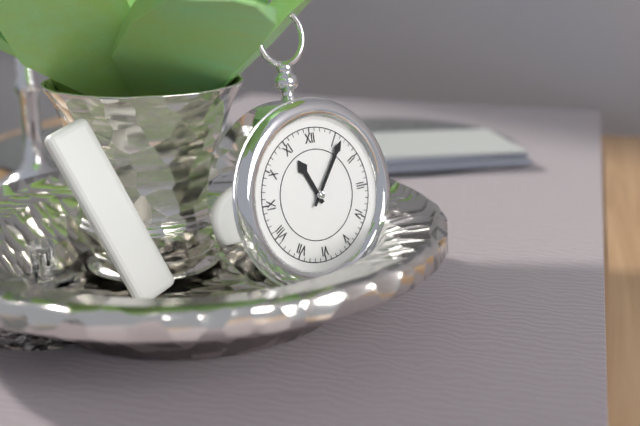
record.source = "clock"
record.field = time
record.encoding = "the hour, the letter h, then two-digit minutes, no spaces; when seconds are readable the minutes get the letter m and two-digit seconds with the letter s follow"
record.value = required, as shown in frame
11h06
